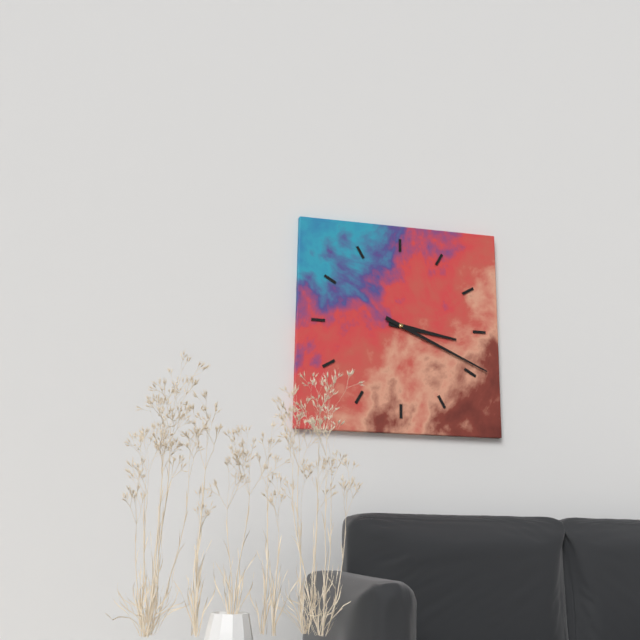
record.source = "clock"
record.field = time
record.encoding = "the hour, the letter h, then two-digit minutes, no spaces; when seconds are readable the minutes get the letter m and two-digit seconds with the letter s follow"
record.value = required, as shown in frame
3h19
